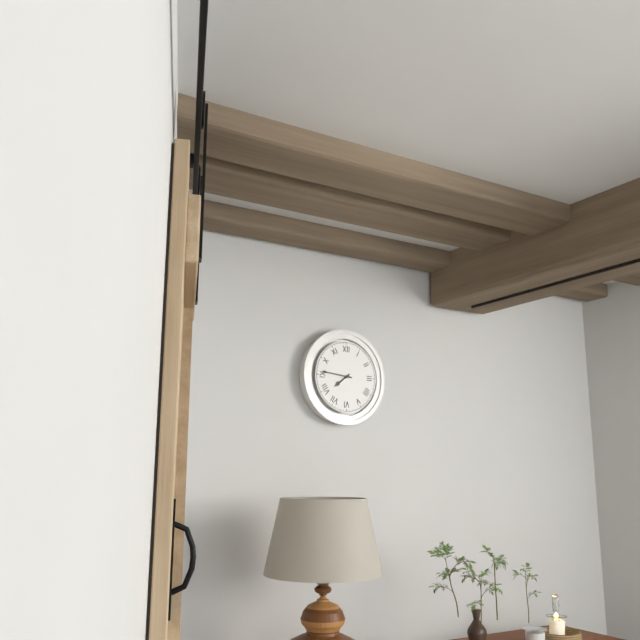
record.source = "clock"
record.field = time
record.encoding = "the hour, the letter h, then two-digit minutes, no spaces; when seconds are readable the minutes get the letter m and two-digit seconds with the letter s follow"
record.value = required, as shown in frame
7h46
